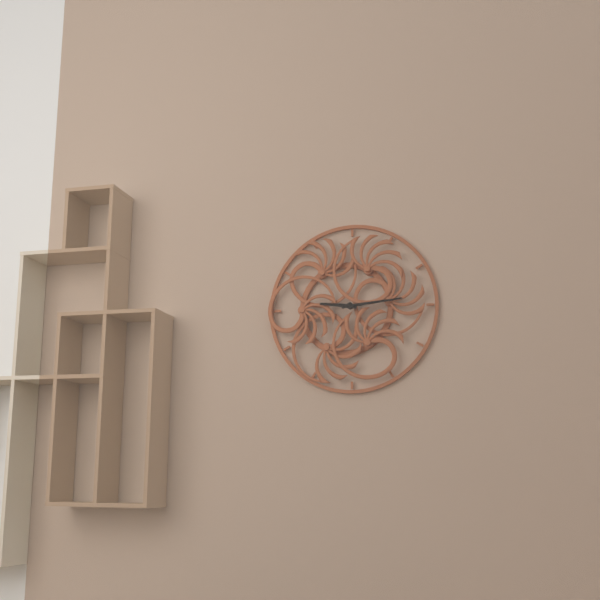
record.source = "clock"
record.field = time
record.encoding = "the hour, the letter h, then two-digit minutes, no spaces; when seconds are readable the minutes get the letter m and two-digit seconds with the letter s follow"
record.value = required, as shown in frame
9h14
